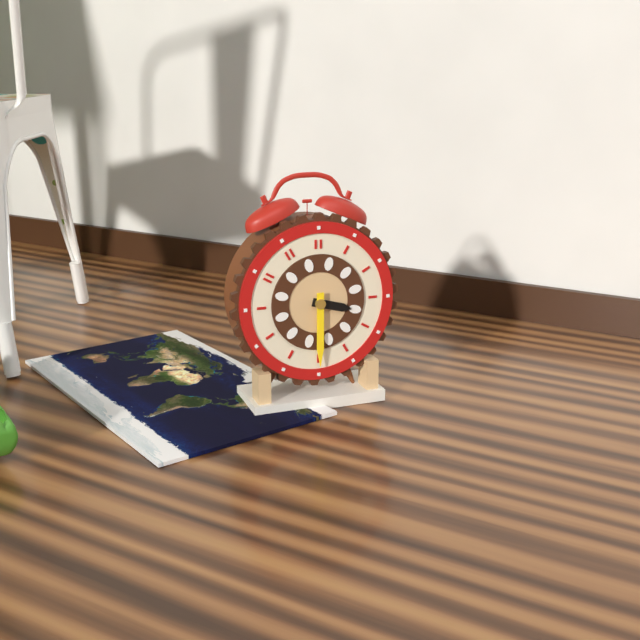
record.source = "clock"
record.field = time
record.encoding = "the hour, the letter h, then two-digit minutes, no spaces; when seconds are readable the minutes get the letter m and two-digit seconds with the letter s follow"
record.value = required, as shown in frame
3h30
